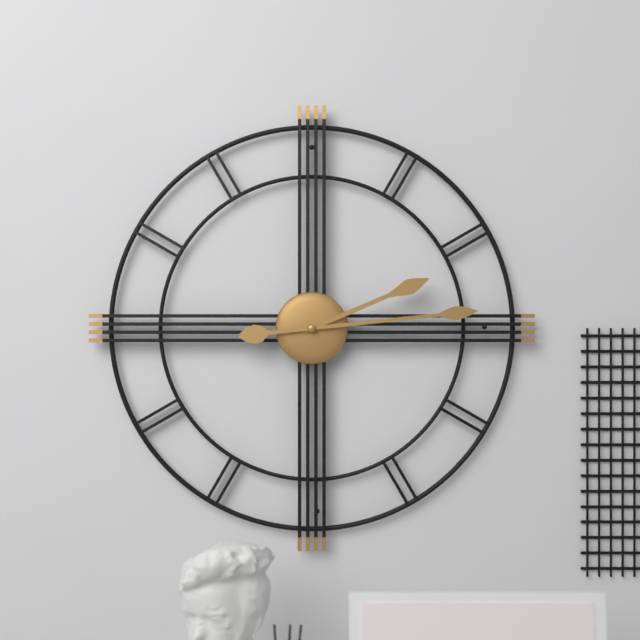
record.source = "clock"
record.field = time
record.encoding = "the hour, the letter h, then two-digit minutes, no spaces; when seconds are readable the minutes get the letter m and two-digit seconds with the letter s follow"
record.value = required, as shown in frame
2h14
